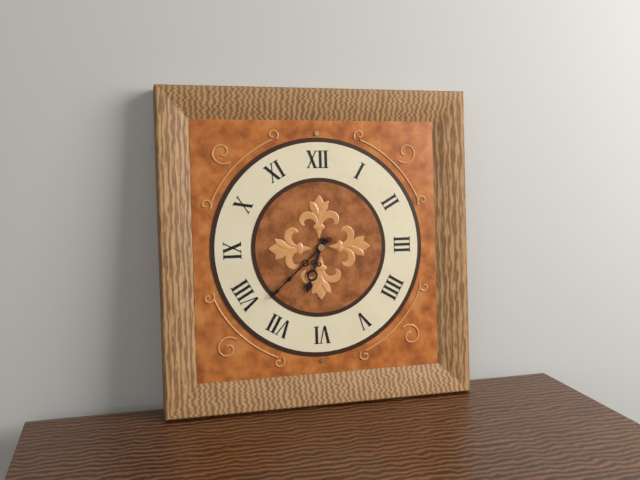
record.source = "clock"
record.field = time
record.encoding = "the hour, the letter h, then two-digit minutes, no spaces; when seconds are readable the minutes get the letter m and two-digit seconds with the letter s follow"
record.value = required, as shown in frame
6h38
